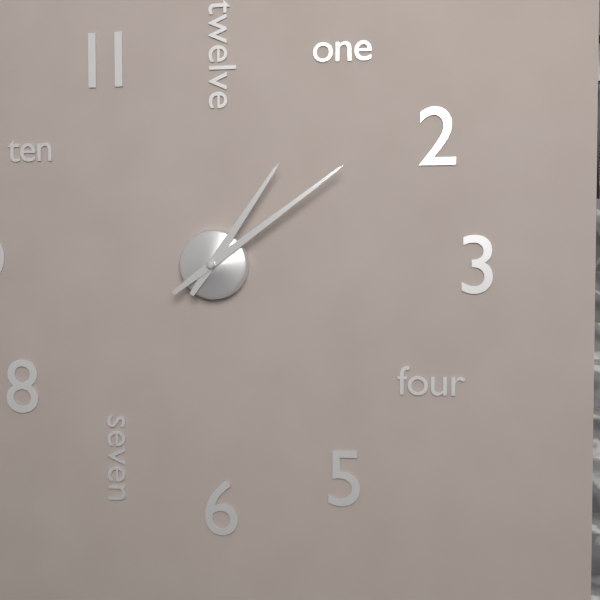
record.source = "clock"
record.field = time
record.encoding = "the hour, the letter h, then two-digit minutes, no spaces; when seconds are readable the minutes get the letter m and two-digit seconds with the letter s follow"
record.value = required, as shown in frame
1h09
